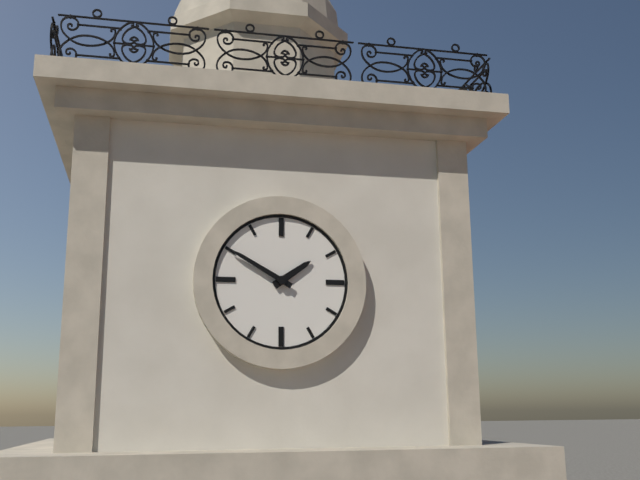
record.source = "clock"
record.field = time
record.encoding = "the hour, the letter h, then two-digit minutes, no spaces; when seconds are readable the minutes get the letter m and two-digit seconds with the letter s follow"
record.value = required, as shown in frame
1h50
